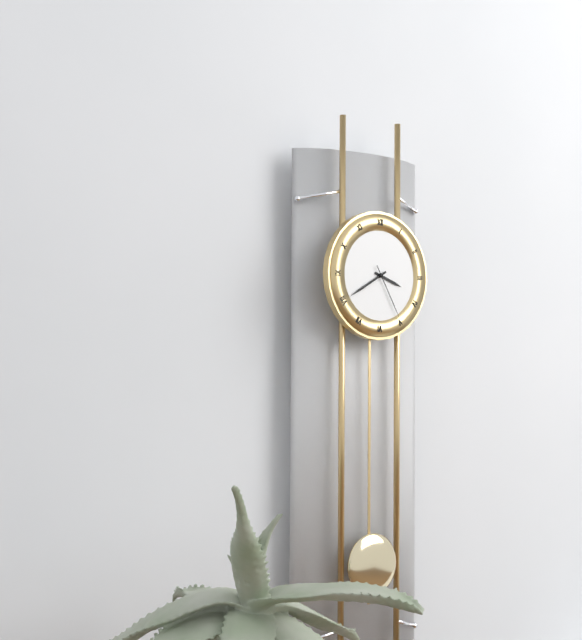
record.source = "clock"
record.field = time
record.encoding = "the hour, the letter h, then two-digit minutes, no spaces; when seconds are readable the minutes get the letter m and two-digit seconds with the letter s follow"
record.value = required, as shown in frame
3h40m25s
